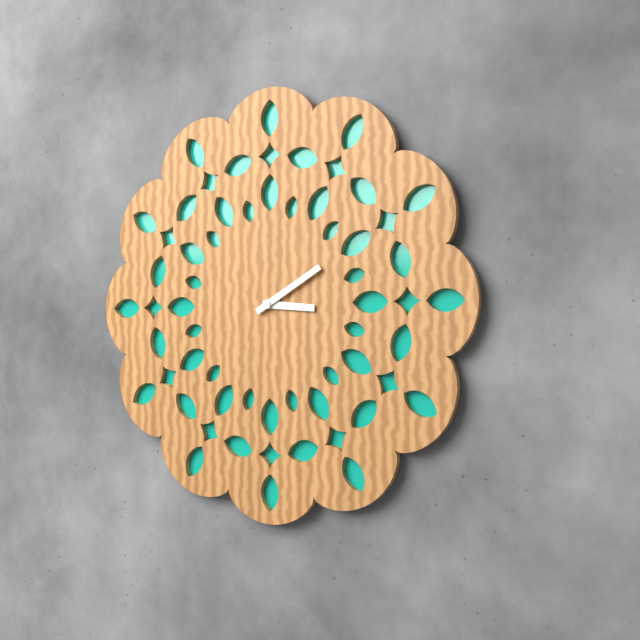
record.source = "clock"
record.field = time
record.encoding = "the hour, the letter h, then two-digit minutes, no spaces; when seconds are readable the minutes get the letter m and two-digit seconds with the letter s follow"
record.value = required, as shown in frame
3h10
